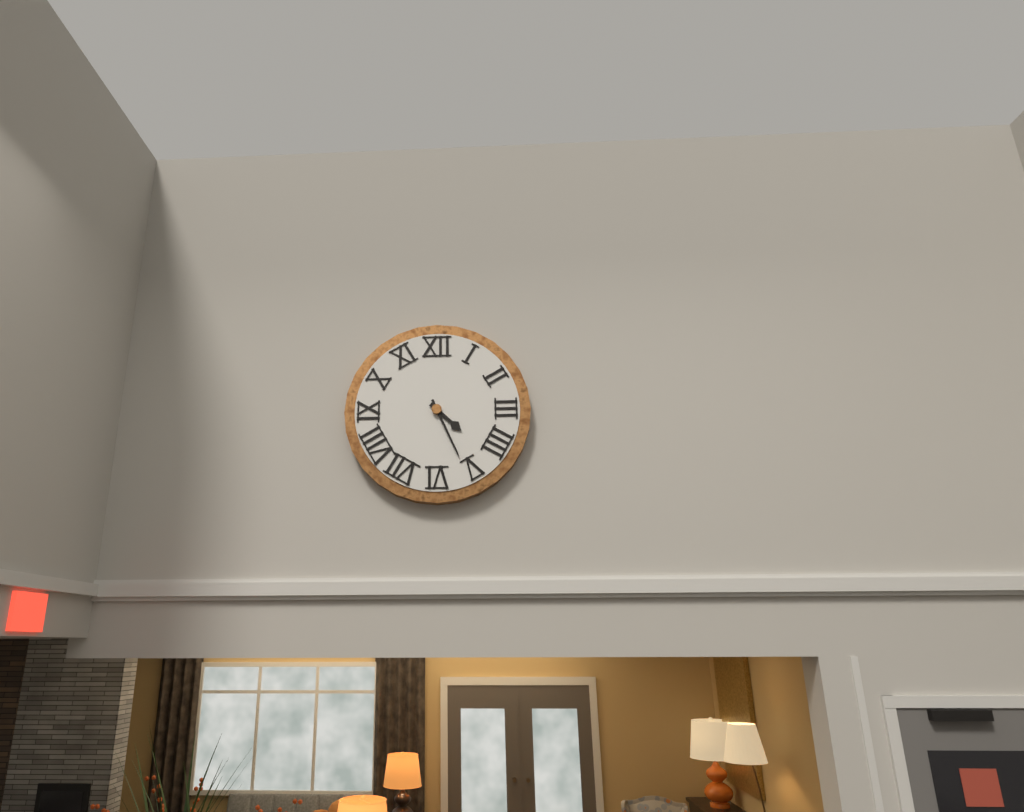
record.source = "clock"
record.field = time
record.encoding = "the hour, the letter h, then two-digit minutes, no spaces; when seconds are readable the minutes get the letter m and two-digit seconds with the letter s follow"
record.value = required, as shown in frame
4h26
